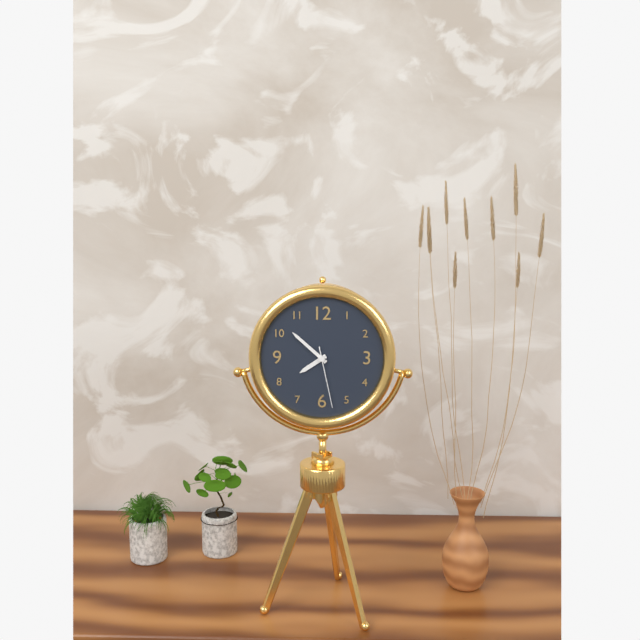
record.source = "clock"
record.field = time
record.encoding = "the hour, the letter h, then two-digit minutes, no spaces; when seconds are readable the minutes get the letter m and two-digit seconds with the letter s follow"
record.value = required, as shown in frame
7h52m28s
